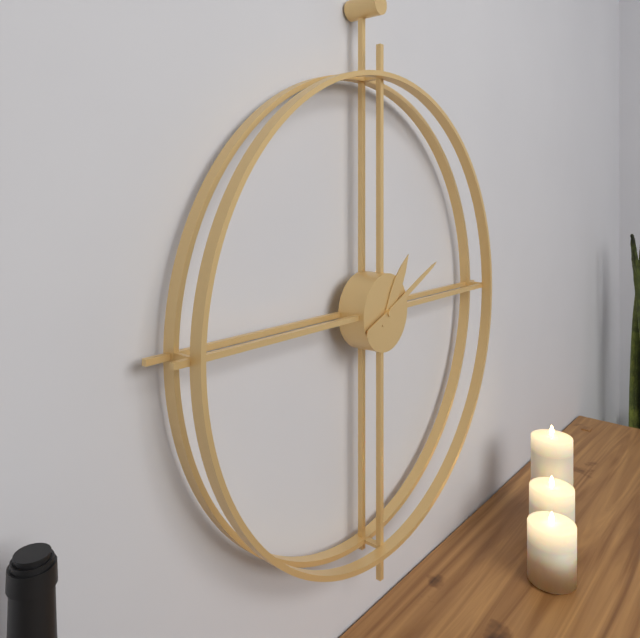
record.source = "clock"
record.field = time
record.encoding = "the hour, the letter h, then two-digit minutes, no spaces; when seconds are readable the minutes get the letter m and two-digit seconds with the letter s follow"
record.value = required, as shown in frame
1h11
